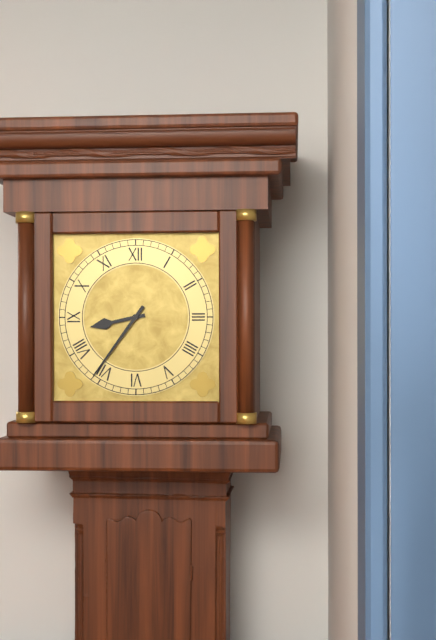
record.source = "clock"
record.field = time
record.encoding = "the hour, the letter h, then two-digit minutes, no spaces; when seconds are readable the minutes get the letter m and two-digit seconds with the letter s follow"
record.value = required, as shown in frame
8h36
